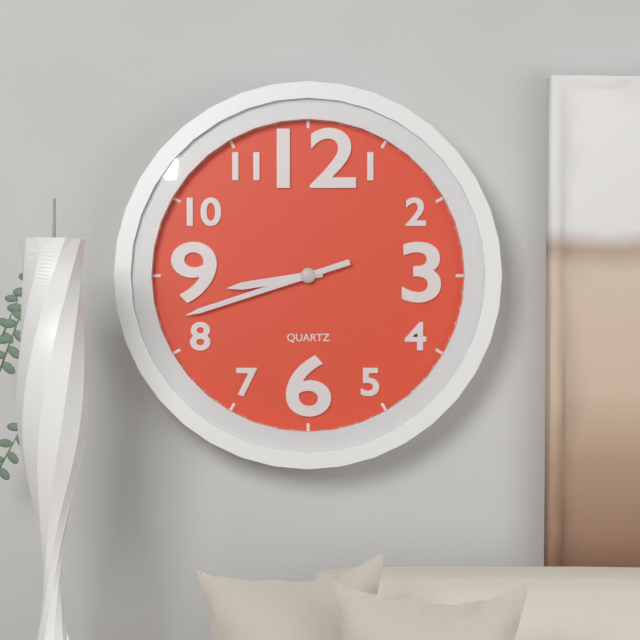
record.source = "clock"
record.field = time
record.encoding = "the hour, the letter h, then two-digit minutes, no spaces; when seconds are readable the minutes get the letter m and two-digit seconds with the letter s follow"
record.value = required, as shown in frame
8h42
